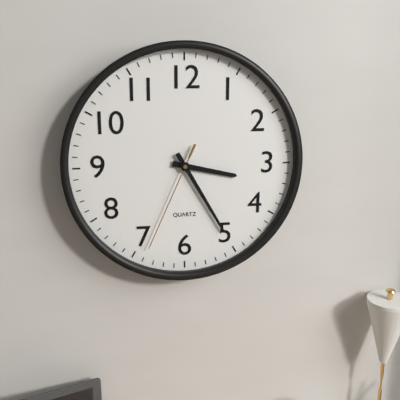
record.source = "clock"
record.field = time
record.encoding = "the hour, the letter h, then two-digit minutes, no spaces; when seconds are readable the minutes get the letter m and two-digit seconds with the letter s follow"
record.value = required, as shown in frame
3h25m34s
